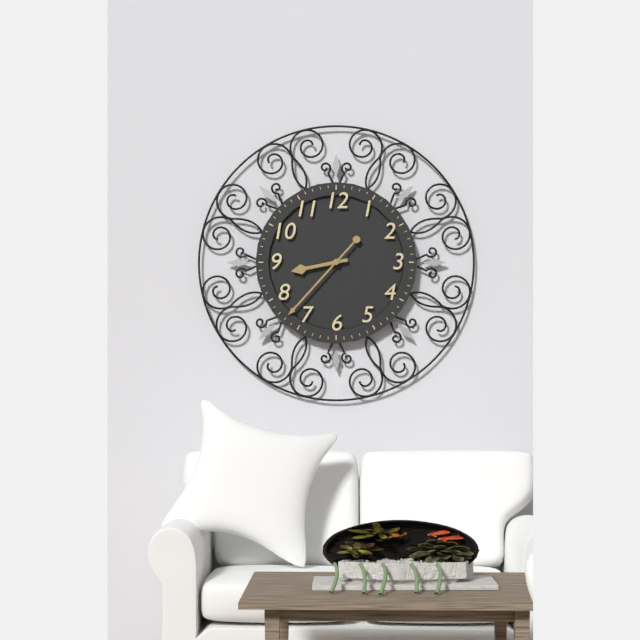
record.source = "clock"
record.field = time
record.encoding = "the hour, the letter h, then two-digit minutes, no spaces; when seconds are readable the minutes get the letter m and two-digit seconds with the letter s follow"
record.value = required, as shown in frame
8h37
